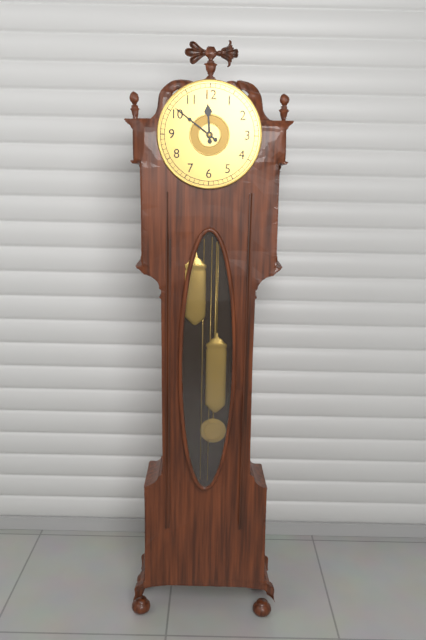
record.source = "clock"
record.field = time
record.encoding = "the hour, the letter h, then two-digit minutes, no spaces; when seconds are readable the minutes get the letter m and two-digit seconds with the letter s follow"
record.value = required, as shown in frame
11h51
